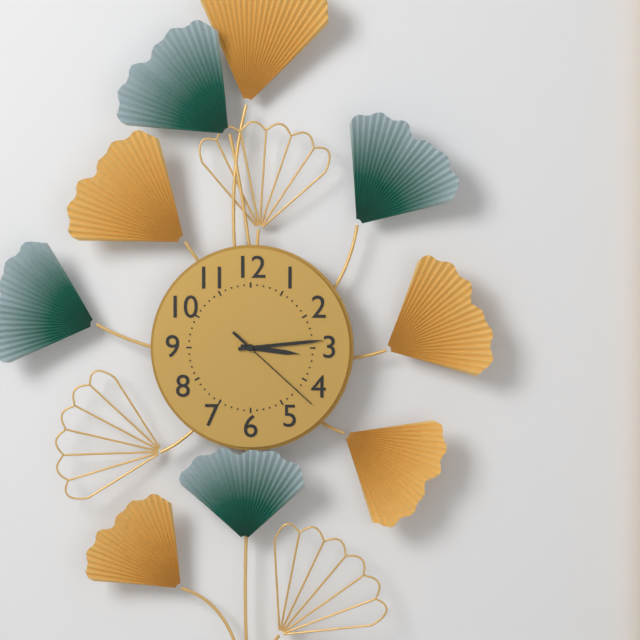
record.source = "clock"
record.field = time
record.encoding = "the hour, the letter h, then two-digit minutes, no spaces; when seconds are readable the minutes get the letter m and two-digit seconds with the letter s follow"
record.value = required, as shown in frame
3h14m22s
